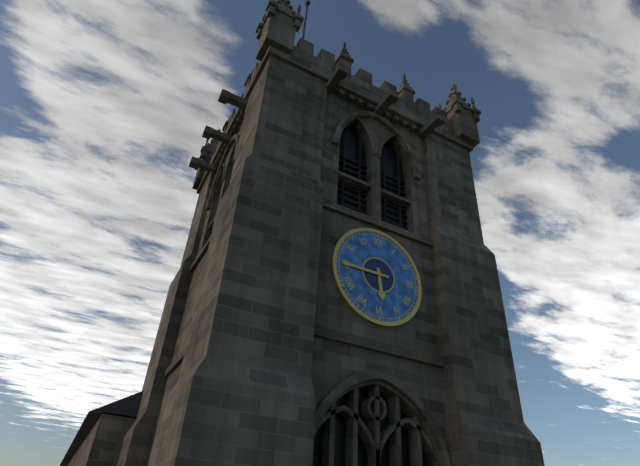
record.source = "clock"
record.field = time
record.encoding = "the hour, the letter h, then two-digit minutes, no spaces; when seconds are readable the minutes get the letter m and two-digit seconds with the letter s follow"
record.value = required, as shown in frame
5h45
